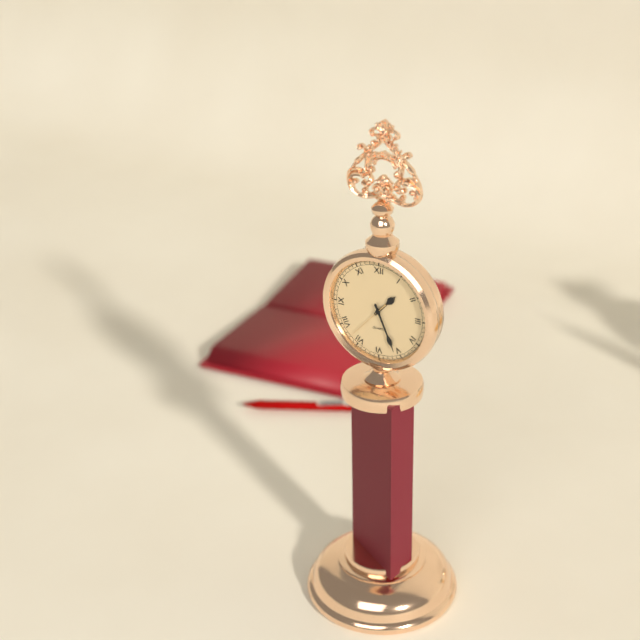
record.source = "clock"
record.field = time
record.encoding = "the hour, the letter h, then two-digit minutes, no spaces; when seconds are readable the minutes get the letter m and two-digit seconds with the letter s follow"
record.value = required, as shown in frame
1h26
